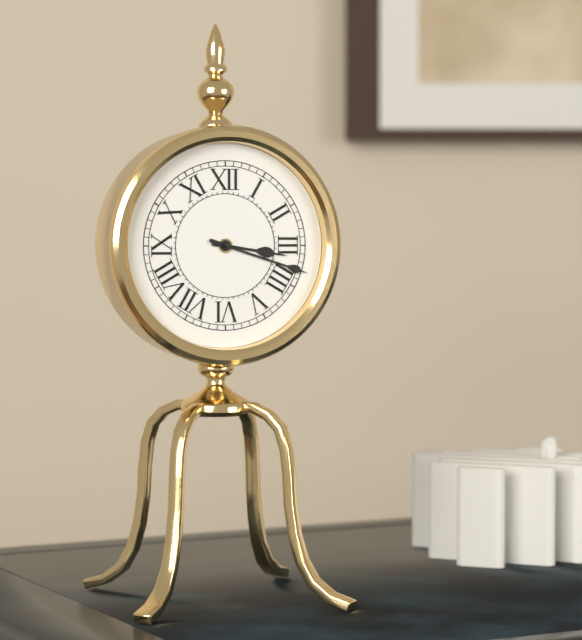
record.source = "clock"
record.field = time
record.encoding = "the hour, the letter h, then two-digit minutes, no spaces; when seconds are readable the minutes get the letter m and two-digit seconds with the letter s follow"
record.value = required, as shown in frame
3h18
